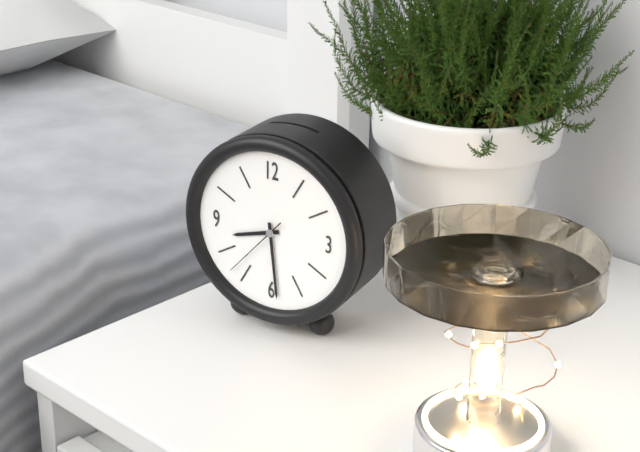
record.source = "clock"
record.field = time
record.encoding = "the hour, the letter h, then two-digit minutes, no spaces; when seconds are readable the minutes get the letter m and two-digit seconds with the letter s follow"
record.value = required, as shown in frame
8h29m37s
